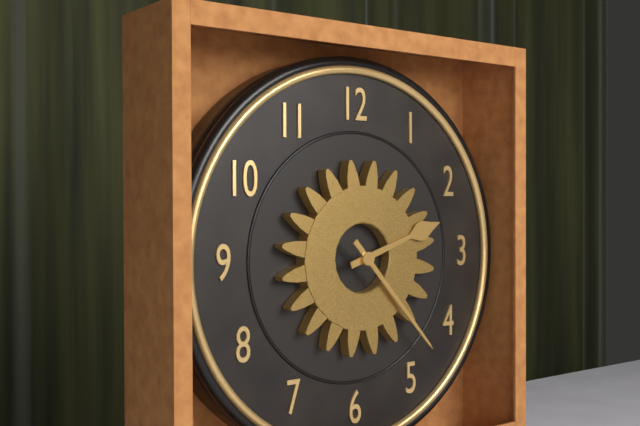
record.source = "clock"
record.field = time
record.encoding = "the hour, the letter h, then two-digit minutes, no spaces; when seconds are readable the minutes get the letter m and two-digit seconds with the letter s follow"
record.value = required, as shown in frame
2h23
